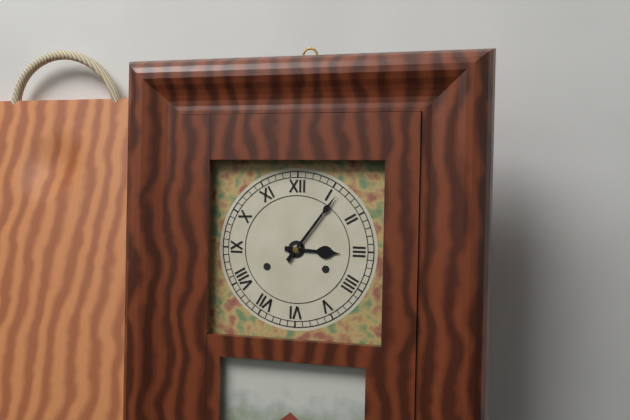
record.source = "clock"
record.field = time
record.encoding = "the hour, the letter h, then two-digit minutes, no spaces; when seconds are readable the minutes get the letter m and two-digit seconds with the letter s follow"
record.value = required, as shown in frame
3h06
